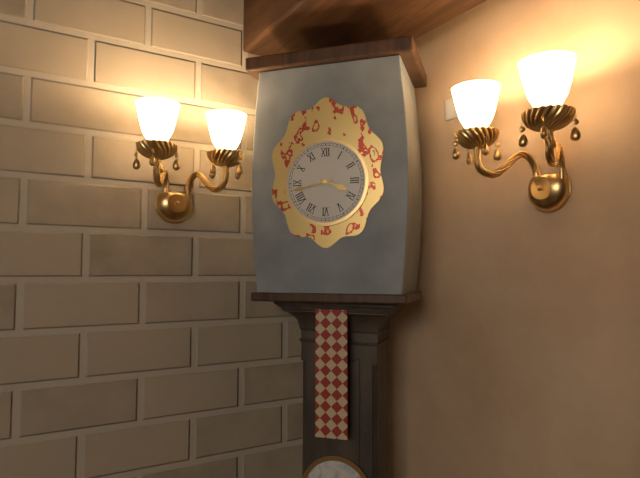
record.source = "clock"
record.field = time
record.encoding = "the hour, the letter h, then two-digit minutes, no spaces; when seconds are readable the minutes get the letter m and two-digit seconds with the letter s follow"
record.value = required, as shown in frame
3h43
